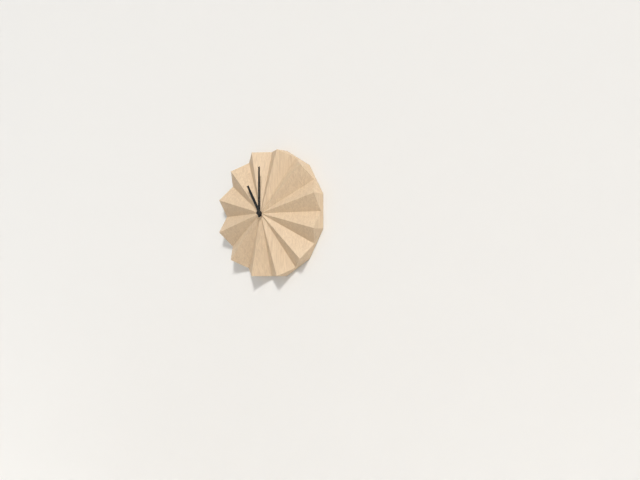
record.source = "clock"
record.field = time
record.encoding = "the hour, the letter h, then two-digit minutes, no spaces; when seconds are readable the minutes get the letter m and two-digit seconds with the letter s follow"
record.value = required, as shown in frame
11h00
